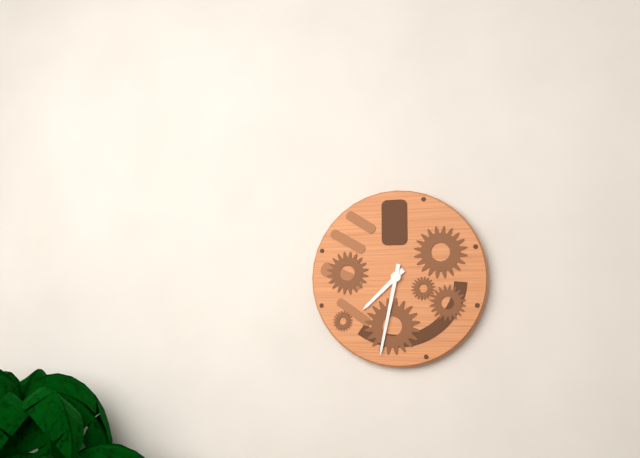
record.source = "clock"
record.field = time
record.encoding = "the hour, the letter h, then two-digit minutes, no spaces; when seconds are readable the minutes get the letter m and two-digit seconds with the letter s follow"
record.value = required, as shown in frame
7h32
